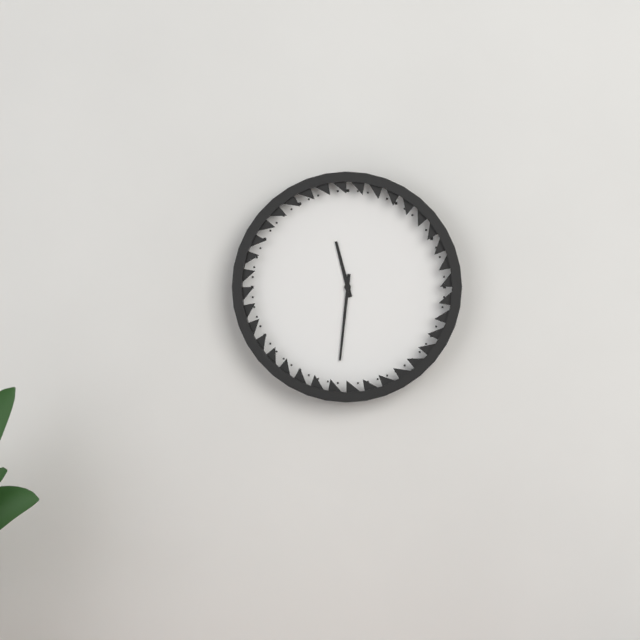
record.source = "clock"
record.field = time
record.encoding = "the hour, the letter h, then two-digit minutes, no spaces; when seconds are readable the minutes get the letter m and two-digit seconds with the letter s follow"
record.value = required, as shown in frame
11h31
